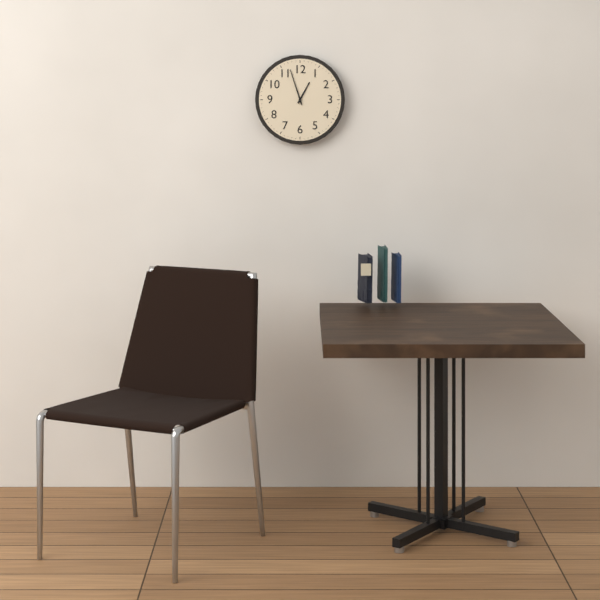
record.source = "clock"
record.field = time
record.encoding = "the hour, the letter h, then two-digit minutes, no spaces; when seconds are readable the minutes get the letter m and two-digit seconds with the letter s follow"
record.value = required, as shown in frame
12h57
